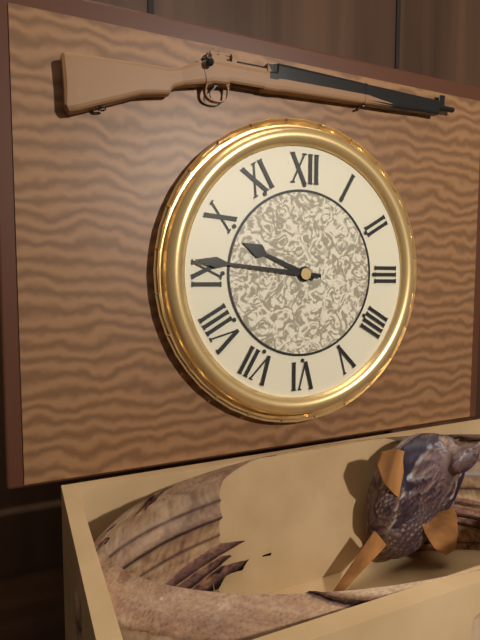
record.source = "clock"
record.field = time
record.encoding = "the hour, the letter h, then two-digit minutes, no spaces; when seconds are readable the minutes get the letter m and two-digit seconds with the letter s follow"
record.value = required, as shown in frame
9h46
